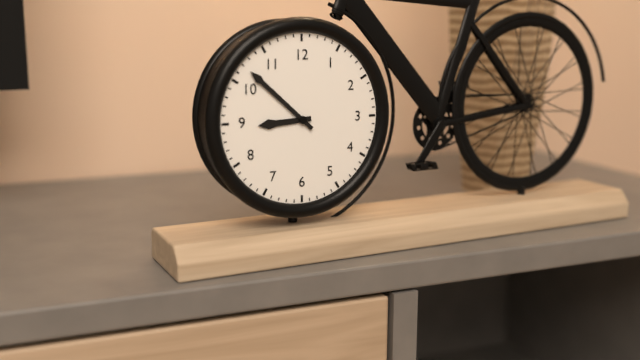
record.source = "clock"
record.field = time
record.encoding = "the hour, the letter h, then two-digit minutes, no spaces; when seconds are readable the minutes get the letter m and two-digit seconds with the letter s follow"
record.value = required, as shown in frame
8h52
